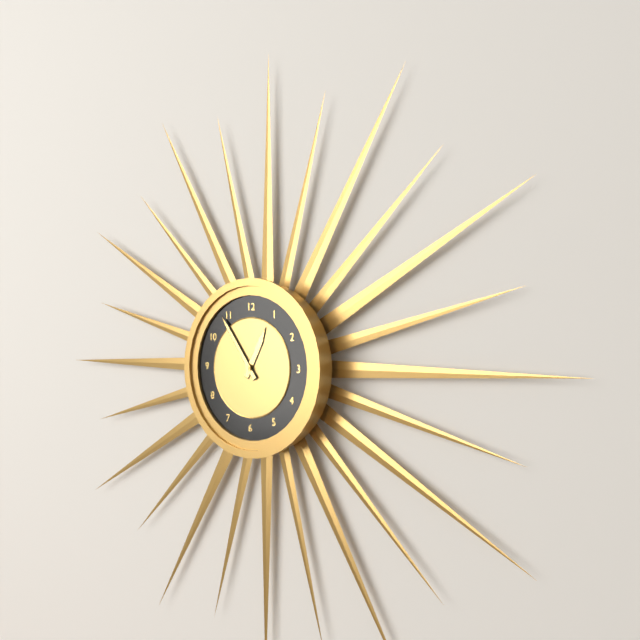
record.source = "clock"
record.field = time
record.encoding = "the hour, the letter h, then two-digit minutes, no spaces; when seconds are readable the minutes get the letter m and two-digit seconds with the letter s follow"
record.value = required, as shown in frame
12h54
